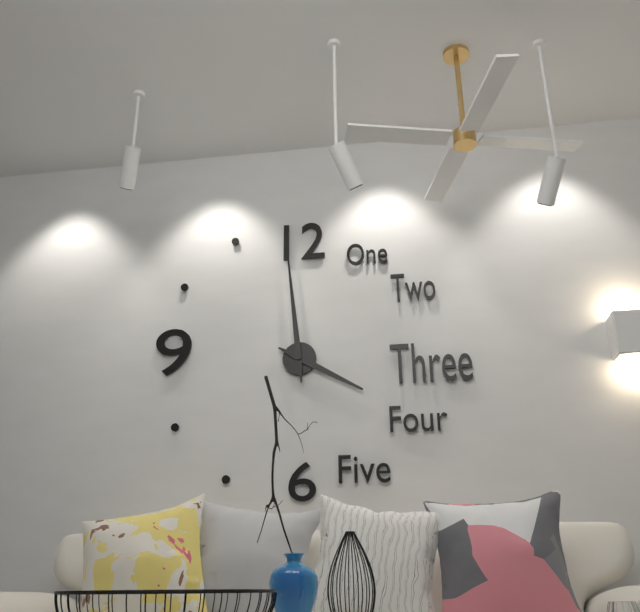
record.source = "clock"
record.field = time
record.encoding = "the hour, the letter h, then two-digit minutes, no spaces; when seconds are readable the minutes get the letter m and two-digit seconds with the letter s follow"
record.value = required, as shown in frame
3h59
